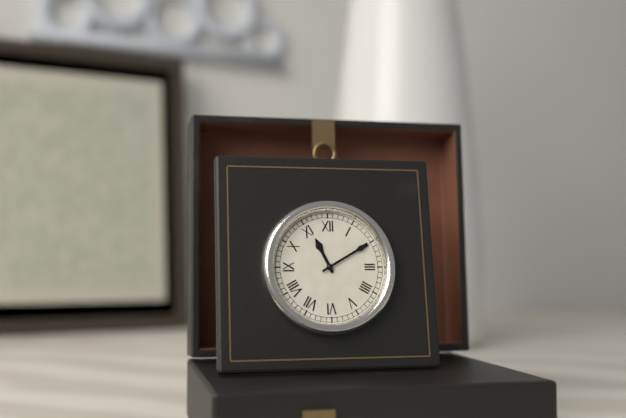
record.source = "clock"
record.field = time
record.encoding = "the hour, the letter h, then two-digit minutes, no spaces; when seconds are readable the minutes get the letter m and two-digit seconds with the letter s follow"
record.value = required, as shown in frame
11h10
